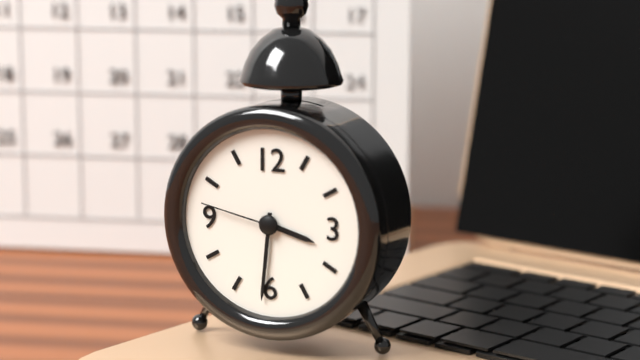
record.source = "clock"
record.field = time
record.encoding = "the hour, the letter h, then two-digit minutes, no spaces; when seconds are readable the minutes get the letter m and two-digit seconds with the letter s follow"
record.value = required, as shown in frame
3h31m47s
